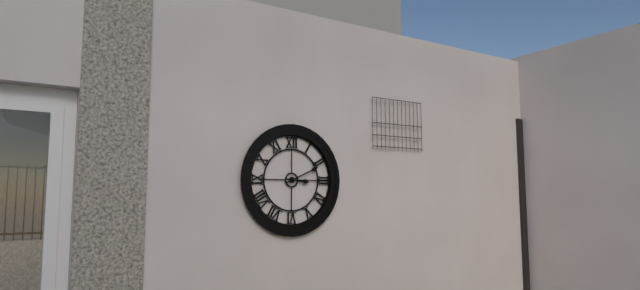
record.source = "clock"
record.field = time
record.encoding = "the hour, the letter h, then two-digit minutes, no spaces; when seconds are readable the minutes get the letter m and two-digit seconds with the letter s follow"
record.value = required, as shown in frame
3h11
